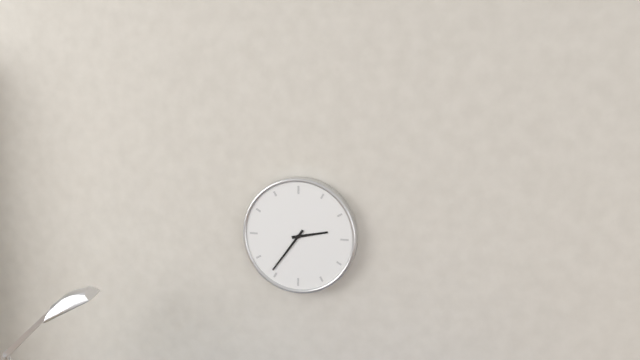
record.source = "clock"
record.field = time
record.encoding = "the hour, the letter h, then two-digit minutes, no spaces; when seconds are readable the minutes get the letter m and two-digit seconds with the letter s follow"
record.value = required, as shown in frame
2h36
